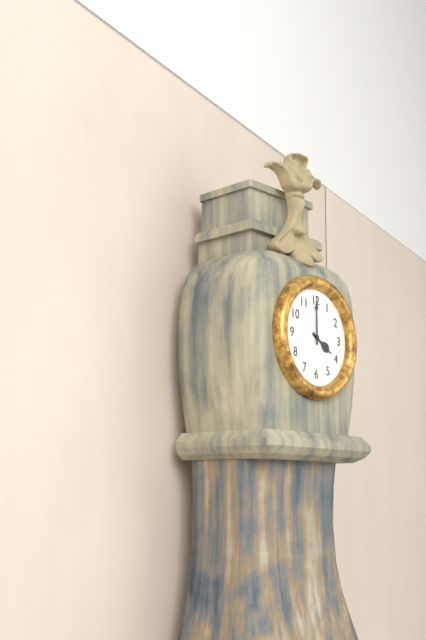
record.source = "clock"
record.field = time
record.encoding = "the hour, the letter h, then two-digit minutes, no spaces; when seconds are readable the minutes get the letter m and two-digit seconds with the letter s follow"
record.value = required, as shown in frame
4h00
